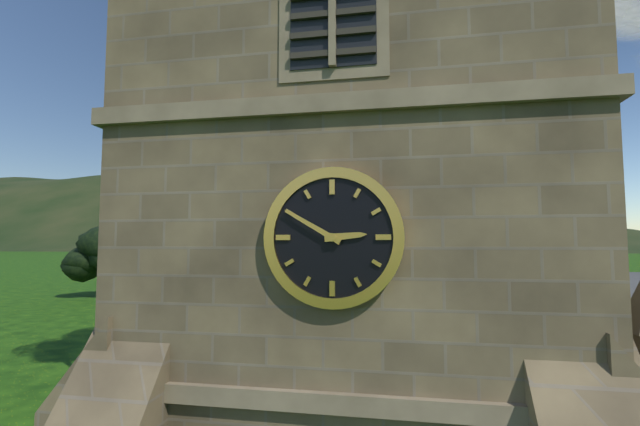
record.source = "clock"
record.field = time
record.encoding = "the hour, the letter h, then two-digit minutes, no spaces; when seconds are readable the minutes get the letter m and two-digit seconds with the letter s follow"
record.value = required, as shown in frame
2h50
